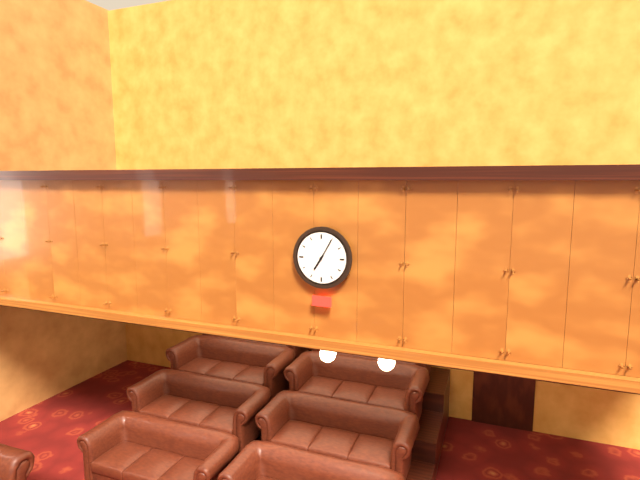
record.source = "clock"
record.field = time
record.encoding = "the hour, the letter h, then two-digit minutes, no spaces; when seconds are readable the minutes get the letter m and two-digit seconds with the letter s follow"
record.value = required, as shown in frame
7h05
